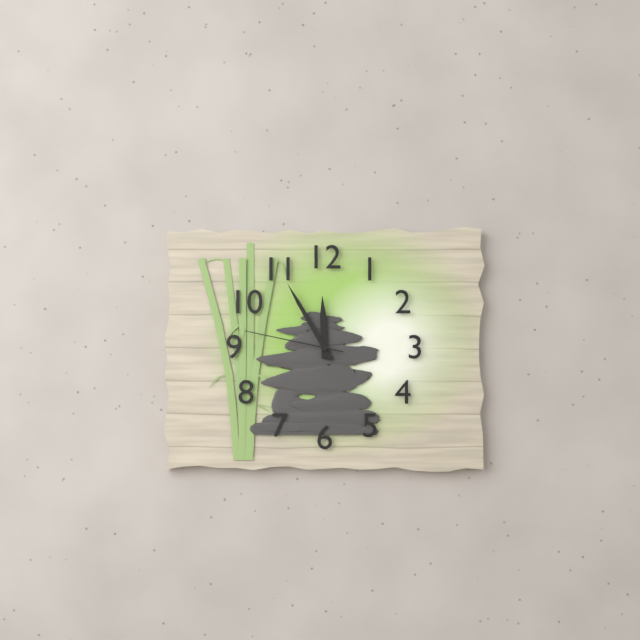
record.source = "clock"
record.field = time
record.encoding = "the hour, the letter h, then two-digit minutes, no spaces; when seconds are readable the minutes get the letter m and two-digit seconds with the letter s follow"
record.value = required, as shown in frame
11h55m47s
